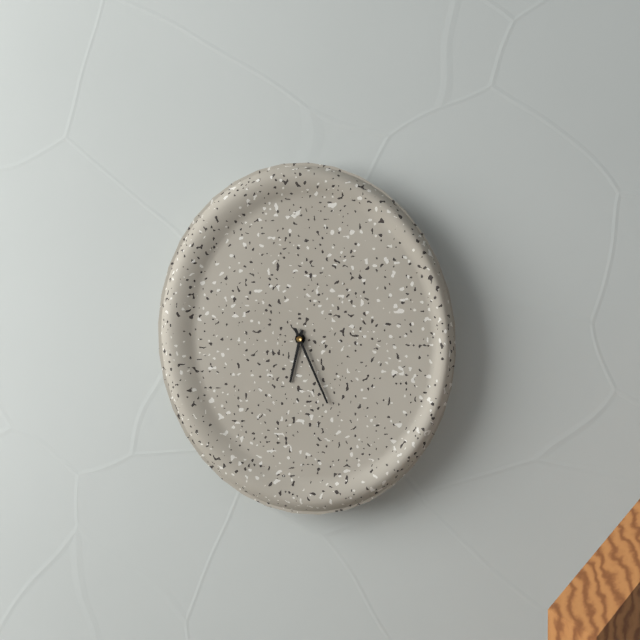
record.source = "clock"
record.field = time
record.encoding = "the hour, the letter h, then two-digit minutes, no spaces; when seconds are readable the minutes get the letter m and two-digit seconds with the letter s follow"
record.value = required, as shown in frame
6h26
